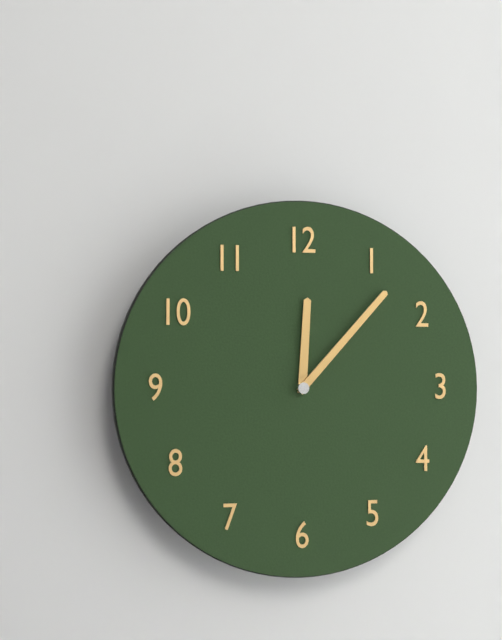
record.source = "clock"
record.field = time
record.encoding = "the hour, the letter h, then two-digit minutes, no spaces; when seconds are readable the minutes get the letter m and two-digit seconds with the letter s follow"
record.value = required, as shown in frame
12h07
